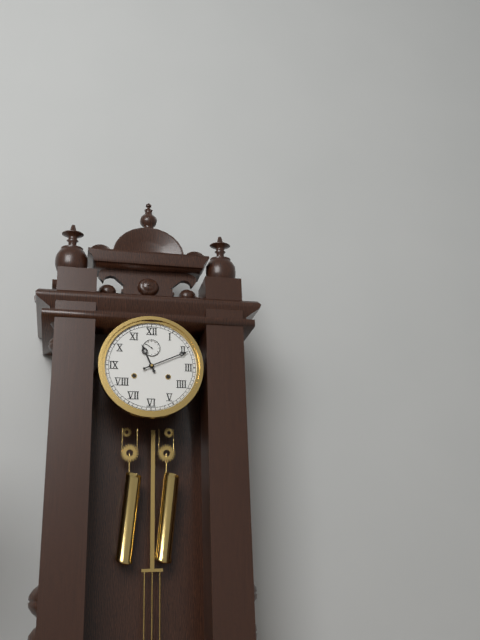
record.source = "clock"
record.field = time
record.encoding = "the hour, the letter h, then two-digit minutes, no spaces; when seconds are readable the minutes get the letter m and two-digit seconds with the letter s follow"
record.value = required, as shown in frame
11h11
